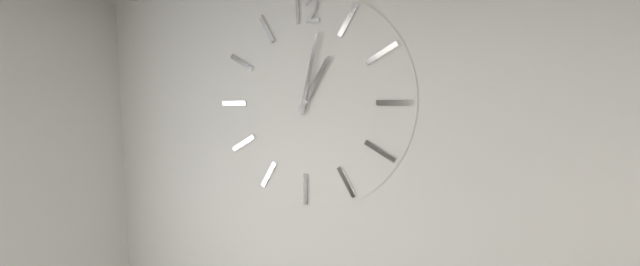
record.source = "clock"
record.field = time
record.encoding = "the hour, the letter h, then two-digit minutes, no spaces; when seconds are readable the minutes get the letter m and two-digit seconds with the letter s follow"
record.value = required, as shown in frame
1h02
